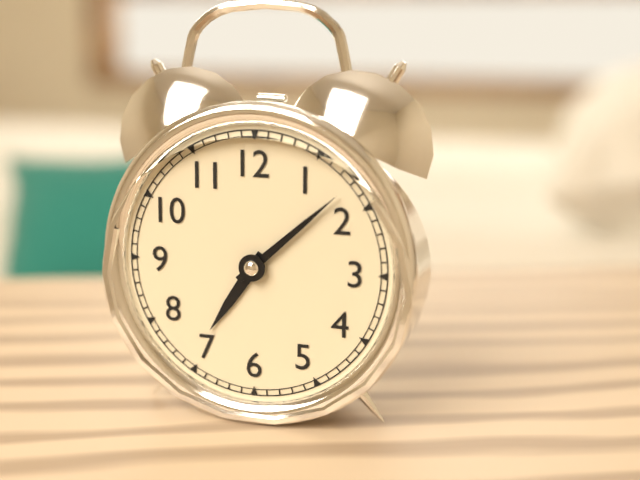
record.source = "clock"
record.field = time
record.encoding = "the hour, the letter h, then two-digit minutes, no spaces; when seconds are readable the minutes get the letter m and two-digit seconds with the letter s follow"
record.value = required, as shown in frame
7h08
